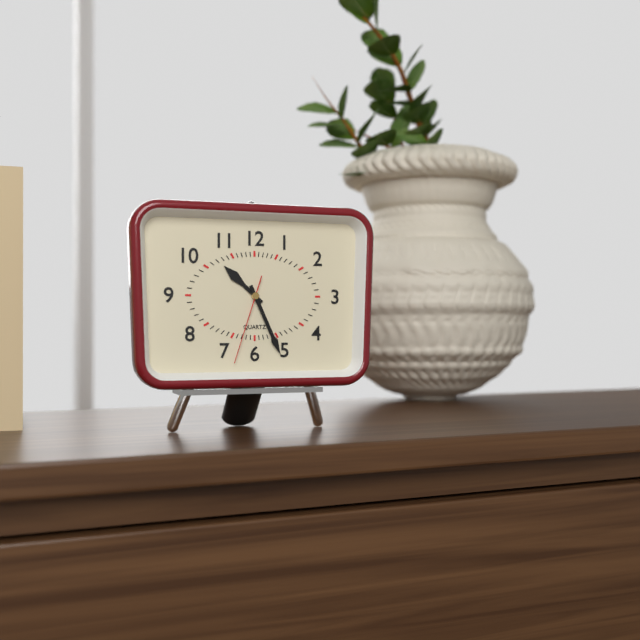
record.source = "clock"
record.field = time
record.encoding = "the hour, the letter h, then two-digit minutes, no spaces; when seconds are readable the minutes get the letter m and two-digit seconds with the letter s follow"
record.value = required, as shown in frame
10h26m33s
